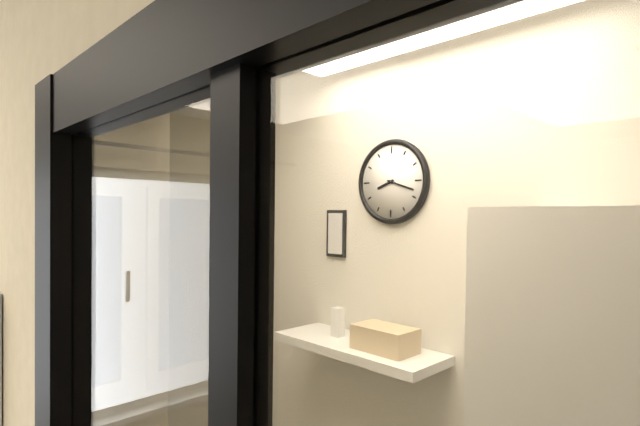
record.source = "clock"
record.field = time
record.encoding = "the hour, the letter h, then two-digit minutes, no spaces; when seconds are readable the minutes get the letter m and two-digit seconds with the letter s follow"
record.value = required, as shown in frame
8h18
